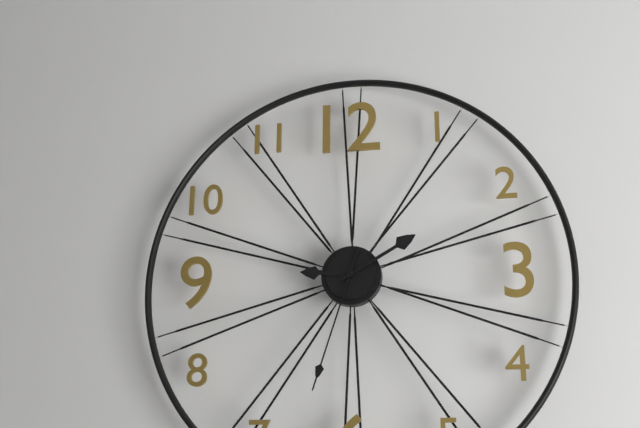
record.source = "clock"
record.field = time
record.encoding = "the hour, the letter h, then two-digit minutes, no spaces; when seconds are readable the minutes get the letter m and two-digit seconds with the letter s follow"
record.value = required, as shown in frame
9h10m33s
